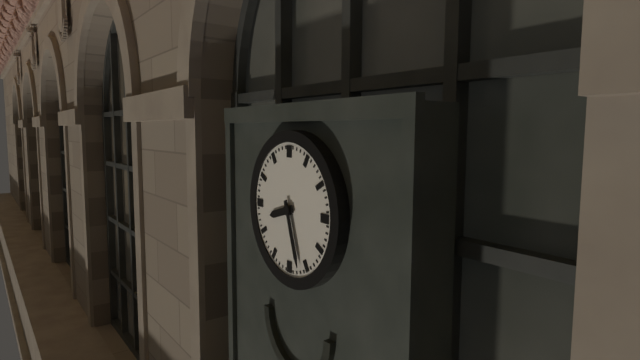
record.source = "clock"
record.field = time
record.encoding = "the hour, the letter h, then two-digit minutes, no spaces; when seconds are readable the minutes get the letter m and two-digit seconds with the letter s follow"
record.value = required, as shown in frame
8h27
